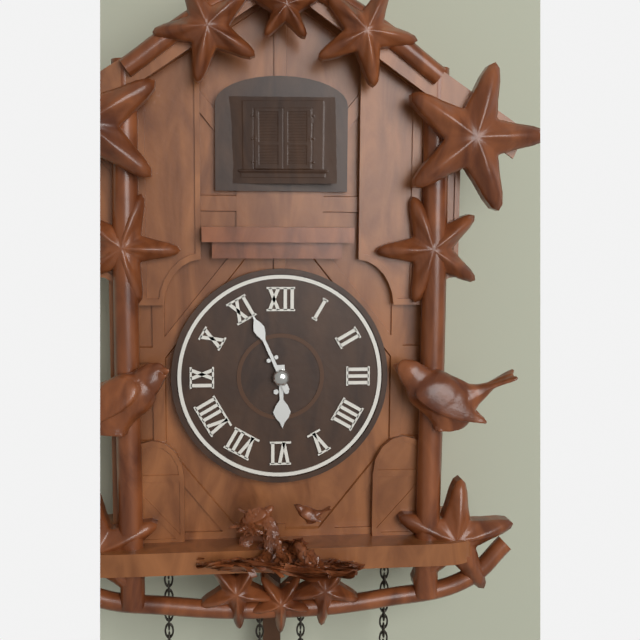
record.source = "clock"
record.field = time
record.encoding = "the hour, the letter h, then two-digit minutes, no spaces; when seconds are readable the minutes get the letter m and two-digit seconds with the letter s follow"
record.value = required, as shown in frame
5h56
